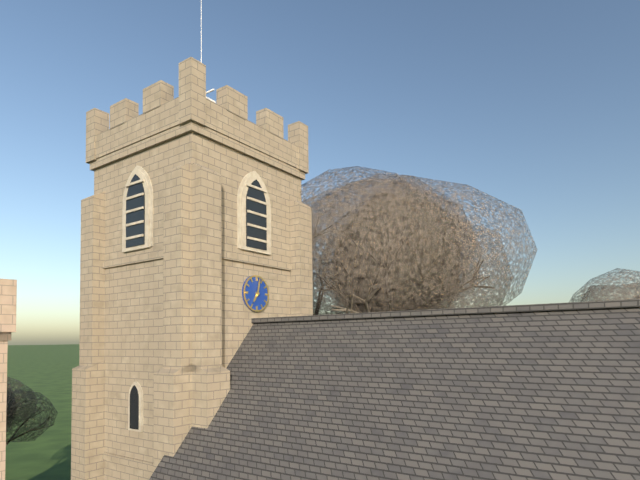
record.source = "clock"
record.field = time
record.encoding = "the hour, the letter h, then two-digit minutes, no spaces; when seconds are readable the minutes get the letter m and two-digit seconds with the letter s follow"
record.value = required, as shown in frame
7h02
